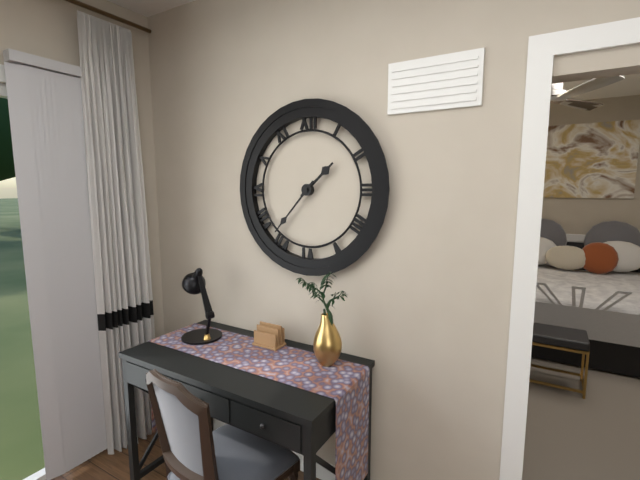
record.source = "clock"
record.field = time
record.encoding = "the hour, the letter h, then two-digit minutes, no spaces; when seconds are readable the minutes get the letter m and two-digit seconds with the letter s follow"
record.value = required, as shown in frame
1h37
